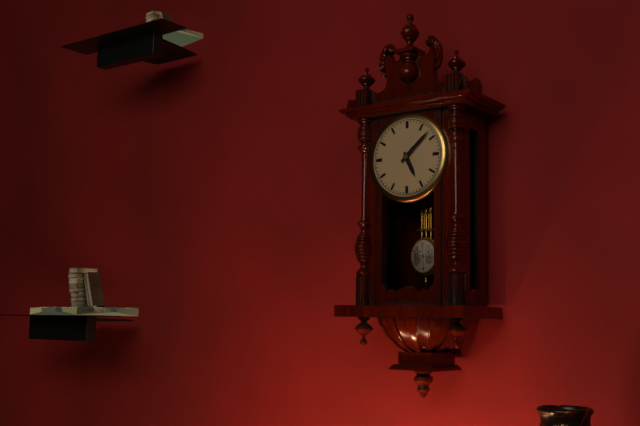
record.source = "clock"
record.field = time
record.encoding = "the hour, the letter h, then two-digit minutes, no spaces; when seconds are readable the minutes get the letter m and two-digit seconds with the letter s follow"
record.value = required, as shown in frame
5h08
